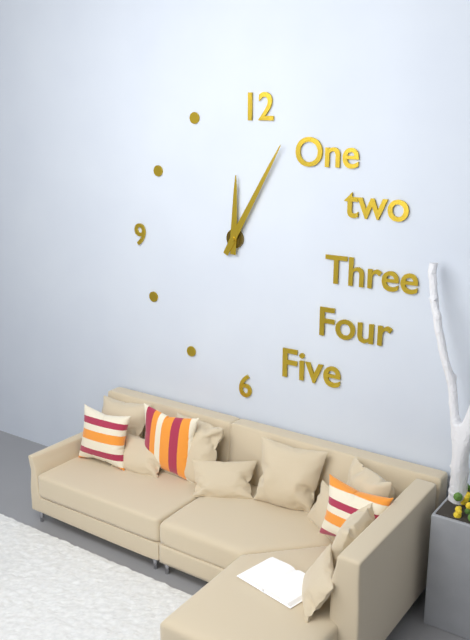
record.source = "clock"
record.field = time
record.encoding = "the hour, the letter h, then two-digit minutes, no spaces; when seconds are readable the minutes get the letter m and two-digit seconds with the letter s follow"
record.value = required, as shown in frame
12h05
